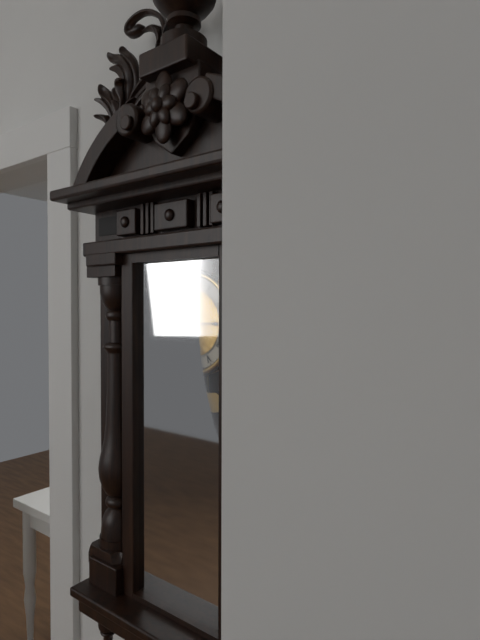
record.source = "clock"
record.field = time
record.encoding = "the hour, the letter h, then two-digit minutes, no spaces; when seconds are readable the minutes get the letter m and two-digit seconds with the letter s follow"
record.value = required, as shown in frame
11h15
